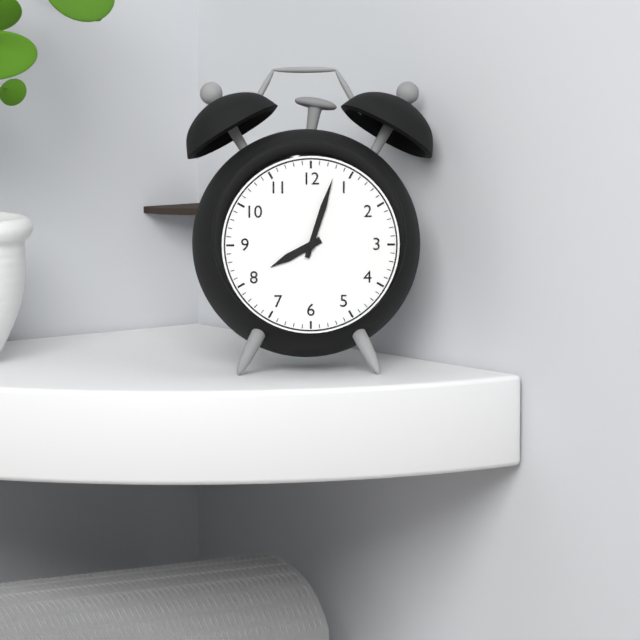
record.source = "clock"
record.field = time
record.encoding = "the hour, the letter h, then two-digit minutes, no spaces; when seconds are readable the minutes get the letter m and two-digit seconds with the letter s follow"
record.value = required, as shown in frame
8h03
